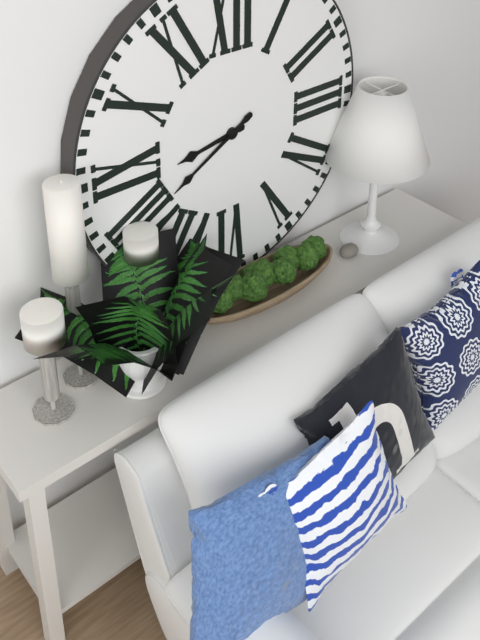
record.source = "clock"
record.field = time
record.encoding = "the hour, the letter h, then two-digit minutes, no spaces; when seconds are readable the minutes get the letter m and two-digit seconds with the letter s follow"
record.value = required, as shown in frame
8h40
